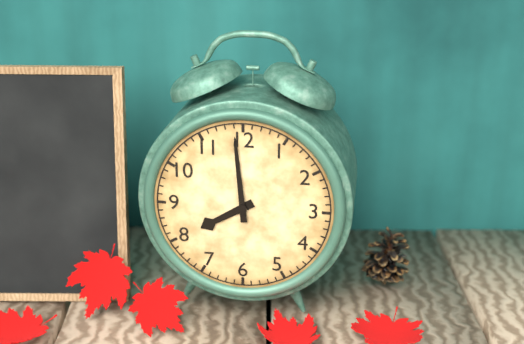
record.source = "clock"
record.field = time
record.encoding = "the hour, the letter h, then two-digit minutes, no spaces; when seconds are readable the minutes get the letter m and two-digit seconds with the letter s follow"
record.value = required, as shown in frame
7h59
